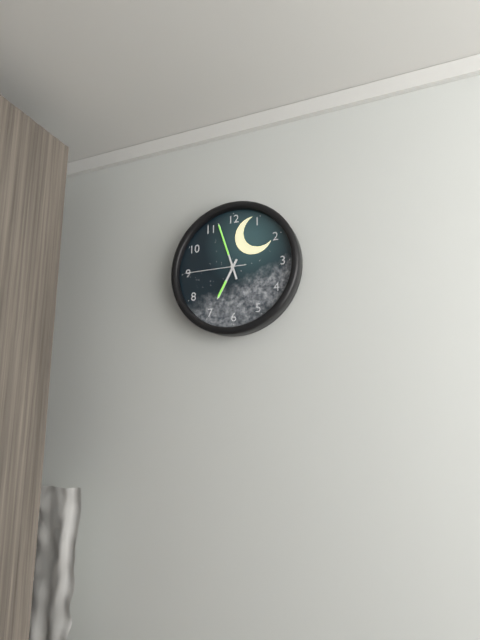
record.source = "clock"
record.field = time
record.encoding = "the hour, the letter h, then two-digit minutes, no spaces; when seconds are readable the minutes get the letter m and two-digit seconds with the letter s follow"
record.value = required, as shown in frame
6h57m45s
